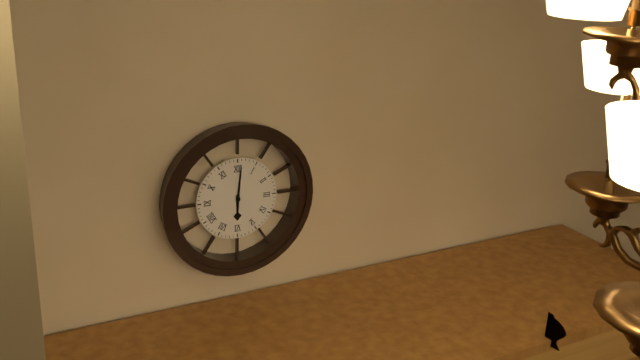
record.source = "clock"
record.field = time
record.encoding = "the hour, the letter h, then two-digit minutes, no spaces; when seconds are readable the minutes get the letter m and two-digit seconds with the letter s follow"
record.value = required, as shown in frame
6h01
